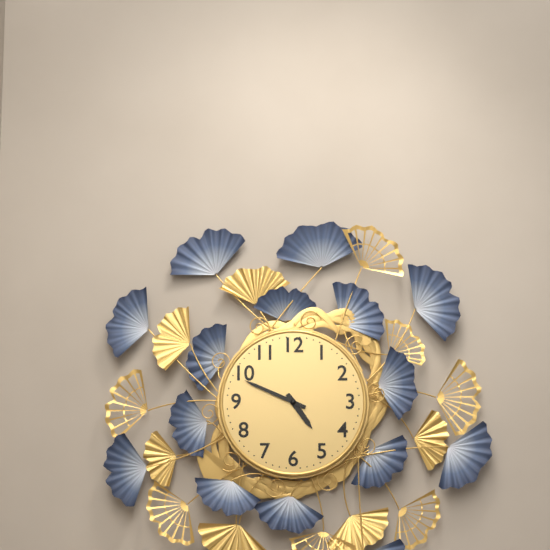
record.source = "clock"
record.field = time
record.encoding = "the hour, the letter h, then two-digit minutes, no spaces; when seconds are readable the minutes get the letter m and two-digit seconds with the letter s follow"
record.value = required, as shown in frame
4h49
